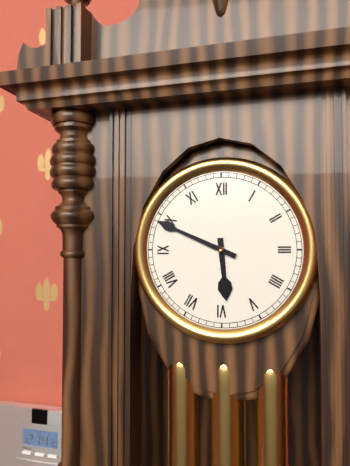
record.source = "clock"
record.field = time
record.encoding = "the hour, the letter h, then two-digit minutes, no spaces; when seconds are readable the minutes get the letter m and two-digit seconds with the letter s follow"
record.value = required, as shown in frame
5h49
